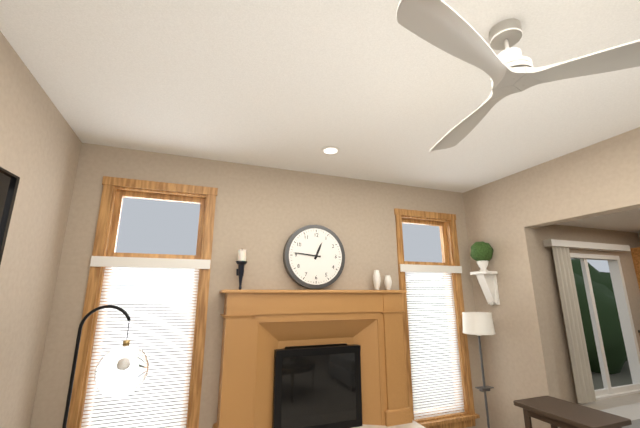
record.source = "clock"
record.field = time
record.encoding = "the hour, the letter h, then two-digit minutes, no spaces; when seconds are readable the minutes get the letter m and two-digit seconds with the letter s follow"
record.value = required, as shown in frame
12h46
